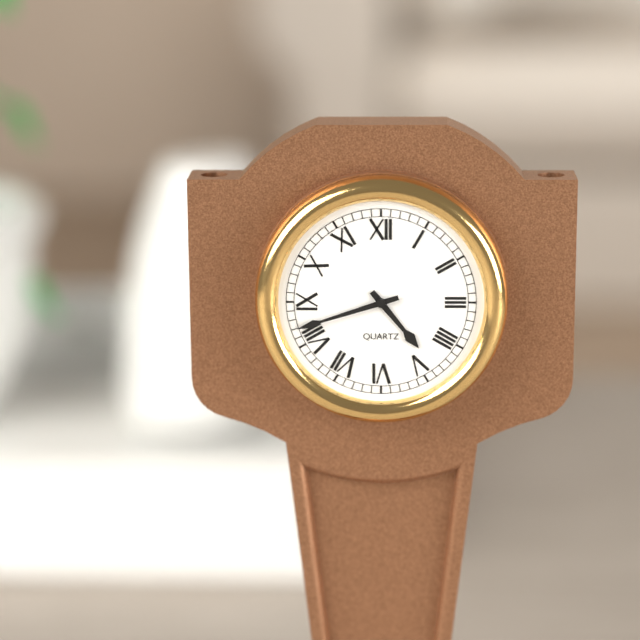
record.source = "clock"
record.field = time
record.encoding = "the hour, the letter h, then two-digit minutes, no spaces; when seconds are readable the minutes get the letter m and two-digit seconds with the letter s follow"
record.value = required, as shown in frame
4h42
